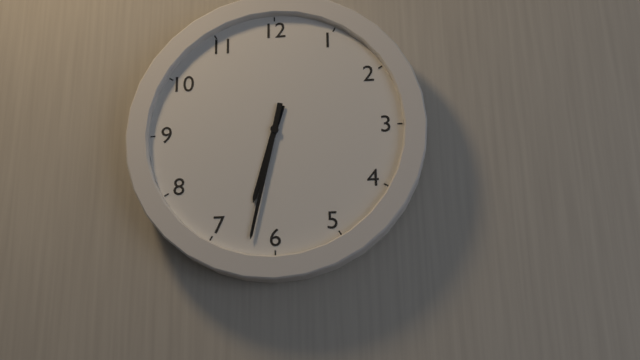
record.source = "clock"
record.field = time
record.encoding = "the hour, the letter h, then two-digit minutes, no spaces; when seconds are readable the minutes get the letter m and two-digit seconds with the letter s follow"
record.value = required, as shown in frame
6h32
